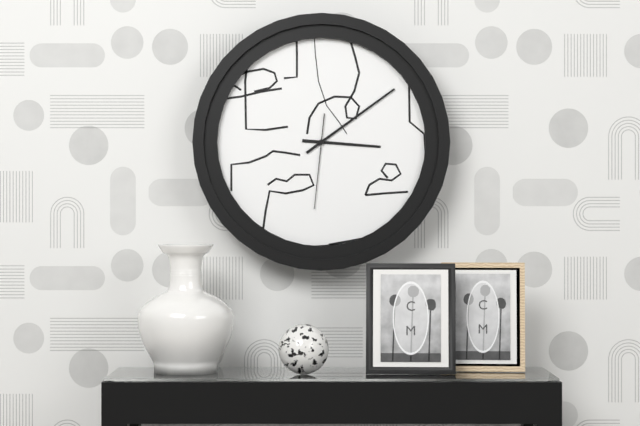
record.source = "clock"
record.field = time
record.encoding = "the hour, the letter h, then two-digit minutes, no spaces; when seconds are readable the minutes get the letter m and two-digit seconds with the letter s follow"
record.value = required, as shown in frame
3h09m31s
